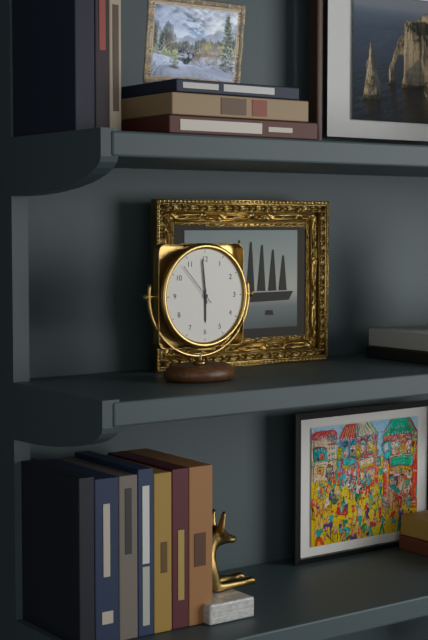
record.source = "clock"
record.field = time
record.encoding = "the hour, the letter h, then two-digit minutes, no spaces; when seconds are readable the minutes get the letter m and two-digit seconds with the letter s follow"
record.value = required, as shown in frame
5h59
